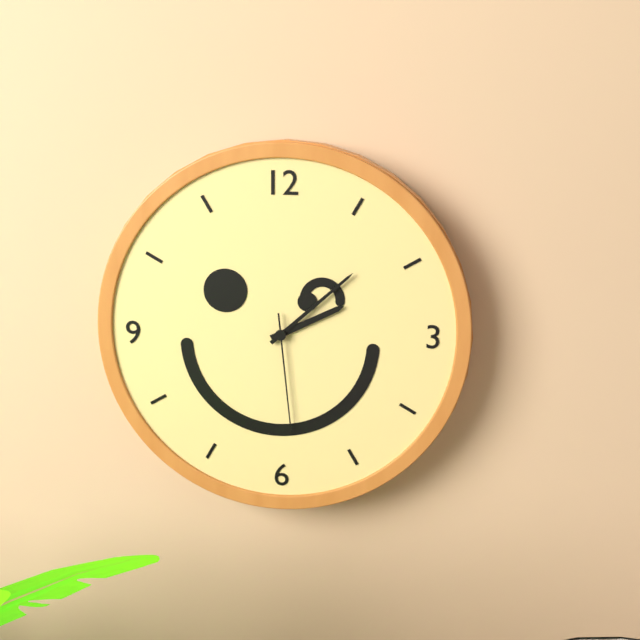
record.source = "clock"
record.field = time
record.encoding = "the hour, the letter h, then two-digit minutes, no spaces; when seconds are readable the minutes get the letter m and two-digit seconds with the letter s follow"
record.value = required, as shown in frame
2h08m29s
